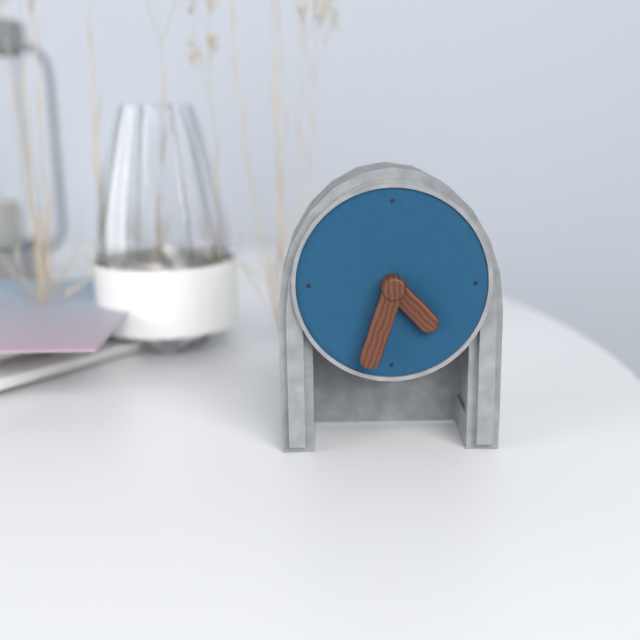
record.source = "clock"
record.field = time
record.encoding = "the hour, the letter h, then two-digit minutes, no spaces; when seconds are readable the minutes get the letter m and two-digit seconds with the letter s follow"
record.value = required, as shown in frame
4h33
